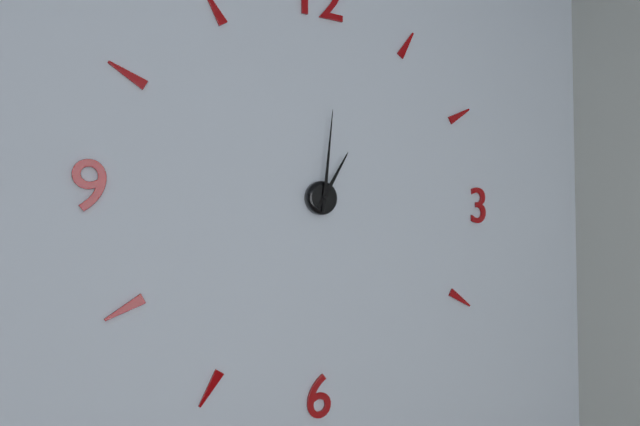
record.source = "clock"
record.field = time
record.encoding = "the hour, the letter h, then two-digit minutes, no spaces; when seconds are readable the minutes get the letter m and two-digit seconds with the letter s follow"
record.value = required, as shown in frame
1h01
